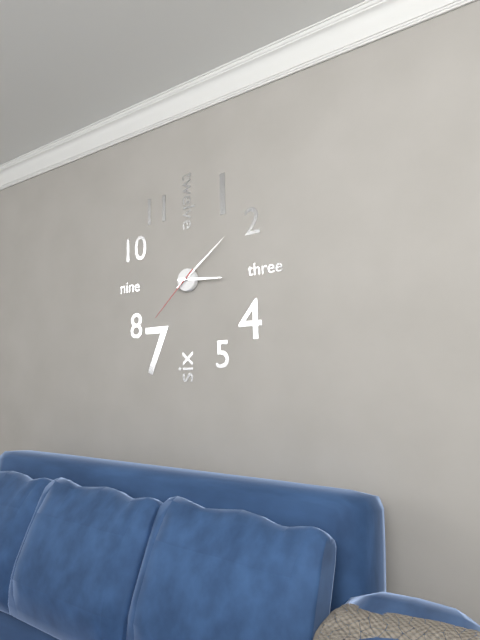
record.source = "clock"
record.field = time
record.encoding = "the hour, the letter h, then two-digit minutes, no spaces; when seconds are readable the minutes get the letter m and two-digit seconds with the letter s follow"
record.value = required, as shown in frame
3h09m38s
